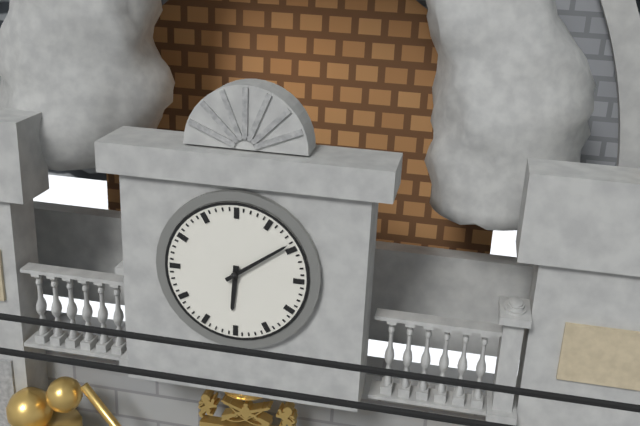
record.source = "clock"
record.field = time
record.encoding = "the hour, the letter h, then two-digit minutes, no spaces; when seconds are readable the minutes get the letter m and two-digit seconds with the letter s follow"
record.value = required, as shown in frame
6h09
